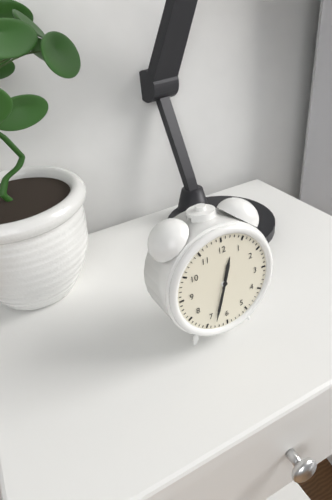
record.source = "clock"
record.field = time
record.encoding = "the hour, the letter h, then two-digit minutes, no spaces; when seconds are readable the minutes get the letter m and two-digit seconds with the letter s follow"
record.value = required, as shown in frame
12h33
